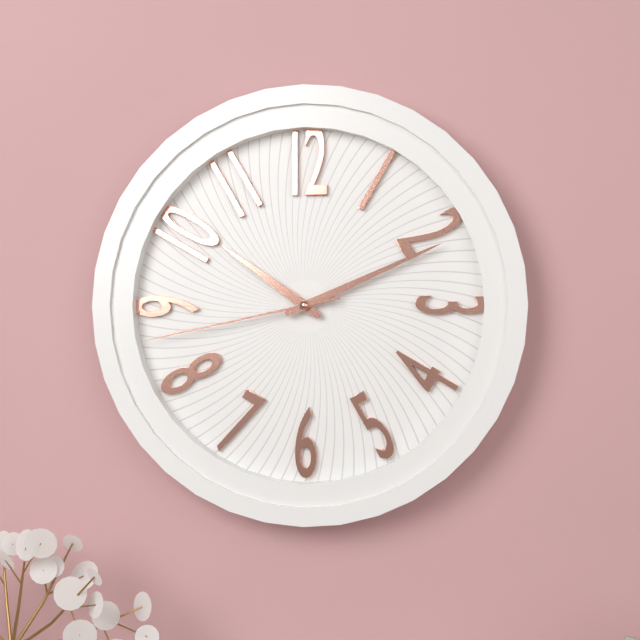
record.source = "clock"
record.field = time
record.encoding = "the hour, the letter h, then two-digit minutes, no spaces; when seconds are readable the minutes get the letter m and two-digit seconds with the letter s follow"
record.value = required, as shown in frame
10h11m43s
